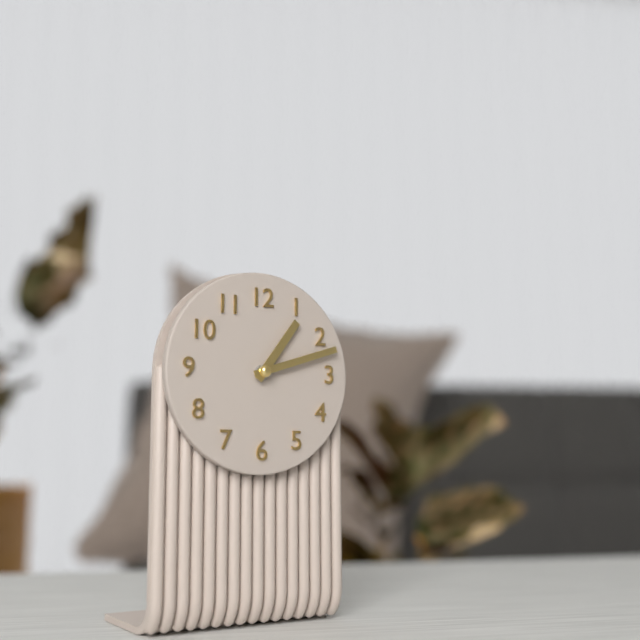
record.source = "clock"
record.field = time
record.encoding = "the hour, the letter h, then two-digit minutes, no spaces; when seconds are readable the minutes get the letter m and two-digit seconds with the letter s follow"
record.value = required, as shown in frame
1h12
